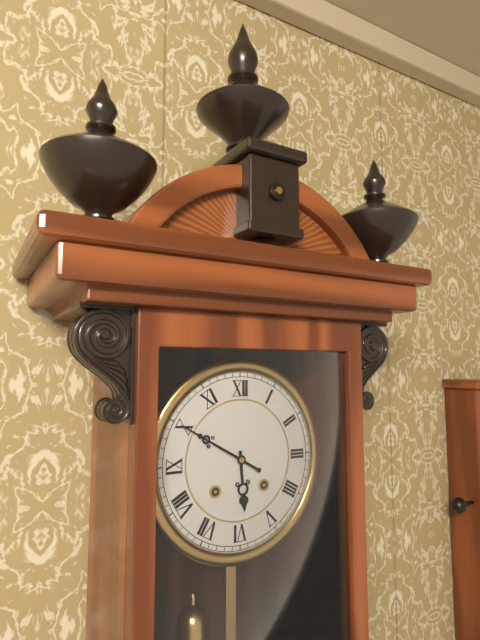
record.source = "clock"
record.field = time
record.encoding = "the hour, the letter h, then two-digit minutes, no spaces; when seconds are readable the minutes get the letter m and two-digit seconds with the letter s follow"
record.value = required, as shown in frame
5h50
